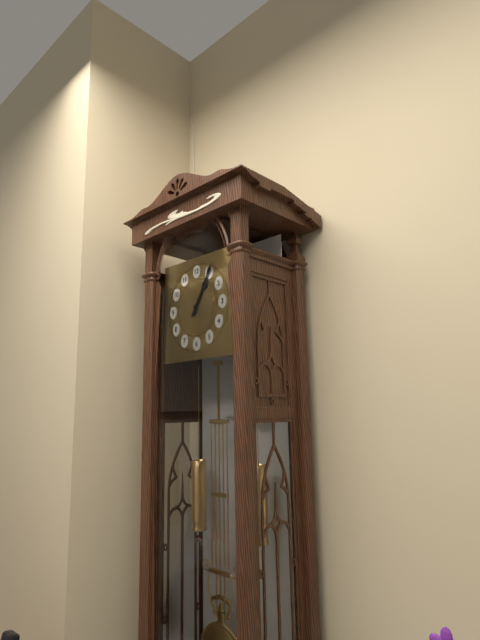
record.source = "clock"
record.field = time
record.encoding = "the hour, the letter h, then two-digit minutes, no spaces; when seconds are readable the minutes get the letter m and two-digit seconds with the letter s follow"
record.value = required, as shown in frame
1h05
